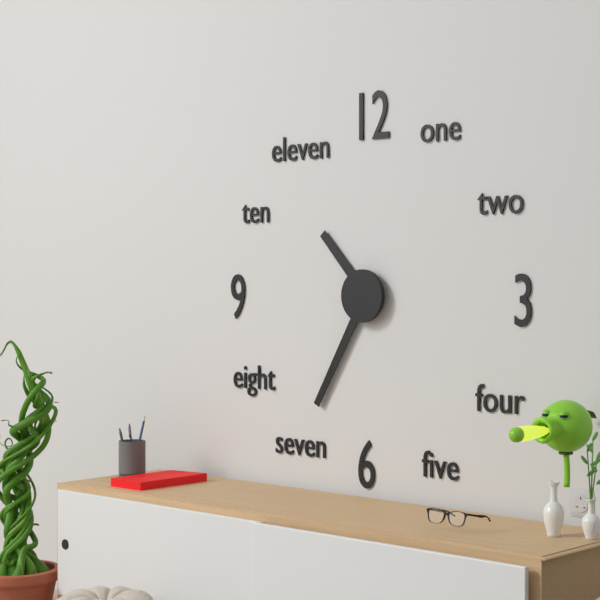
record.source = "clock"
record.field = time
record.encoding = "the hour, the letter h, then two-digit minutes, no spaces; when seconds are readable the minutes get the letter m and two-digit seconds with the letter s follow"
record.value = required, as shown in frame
10h35
